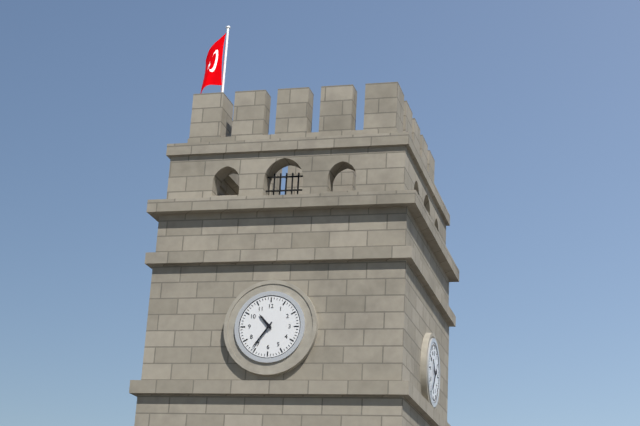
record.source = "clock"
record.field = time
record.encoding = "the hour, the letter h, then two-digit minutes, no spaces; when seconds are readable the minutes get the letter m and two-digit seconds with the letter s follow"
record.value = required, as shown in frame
10h36
